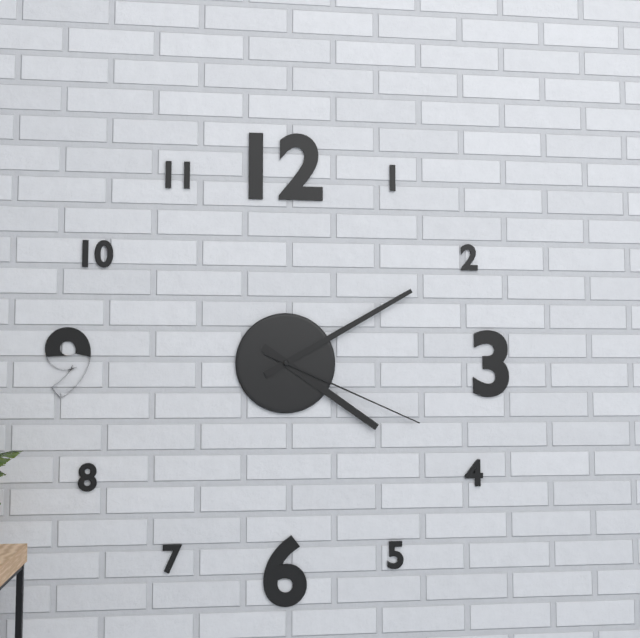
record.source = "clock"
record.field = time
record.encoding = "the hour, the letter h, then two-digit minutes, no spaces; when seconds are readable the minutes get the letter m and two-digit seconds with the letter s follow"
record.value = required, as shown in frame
4h10m19s
